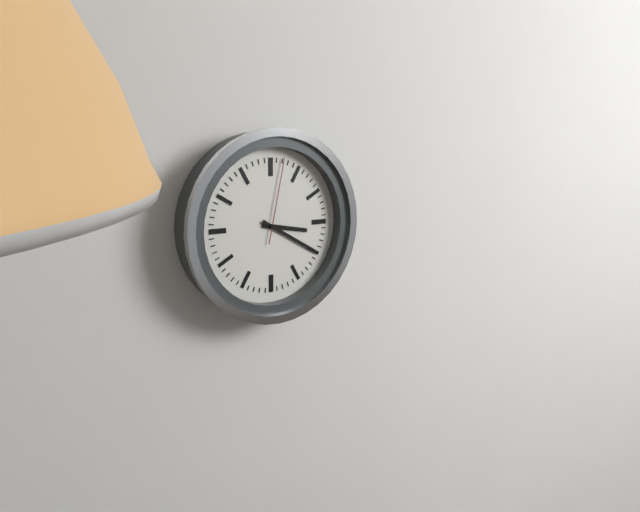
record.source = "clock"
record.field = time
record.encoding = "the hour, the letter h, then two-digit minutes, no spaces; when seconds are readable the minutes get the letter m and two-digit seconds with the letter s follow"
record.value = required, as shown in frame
3h20m02s
